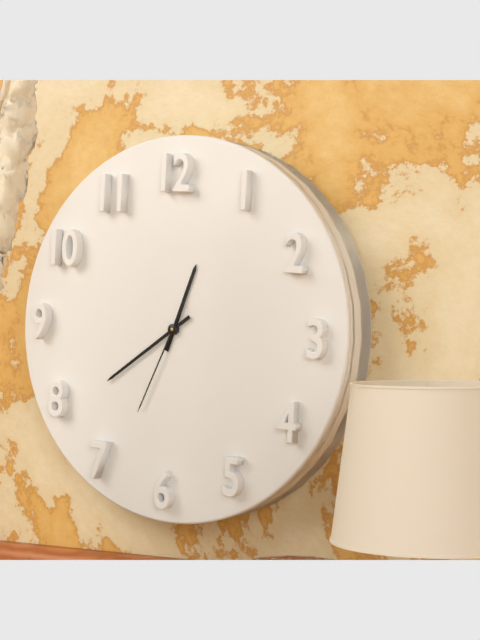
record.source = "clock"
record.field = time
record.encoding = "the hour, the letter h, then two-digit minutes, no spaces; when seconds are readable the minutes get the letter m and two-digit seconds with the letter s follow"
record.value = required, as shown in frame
12h39m34s
